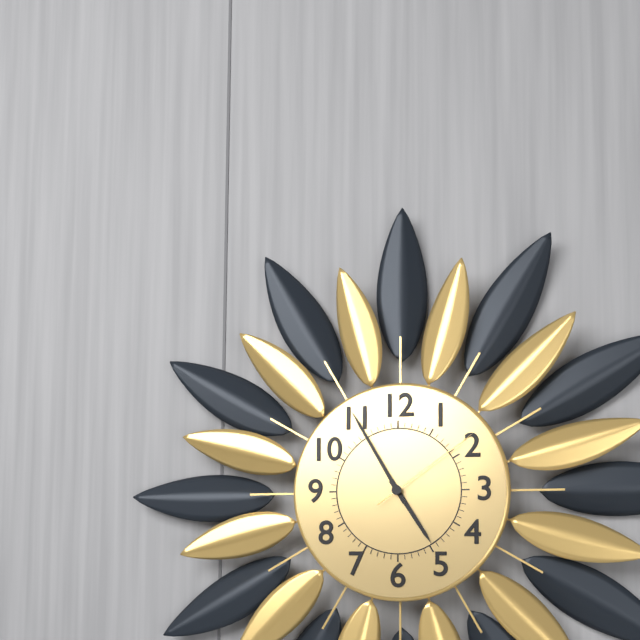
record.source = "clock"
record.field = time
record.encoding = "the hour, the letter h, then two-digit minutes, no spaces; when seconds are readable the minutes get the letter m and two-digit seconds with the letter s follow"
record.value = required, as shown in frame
4h55m09s
